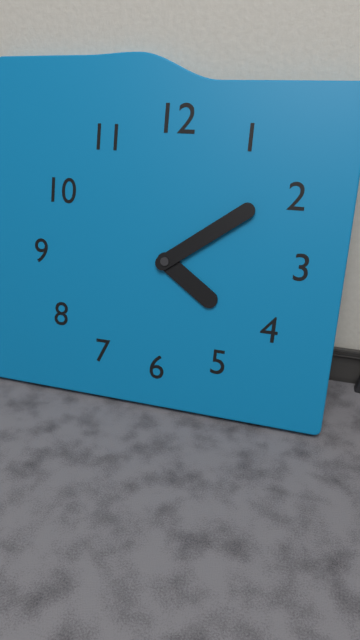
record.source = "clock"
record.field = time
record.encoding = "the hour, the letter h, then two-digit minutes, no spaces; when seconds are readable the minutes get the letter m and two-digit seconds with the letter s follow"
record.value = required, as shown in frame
4h09
